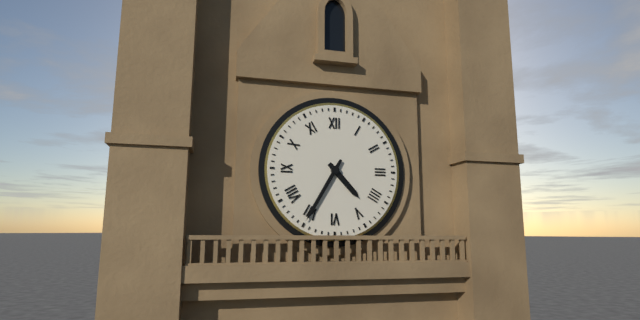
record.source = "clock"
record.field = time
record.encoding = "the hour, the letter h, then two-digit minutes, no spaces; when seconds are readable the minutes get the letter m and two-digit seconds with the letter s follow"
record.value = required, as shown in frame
4h35
